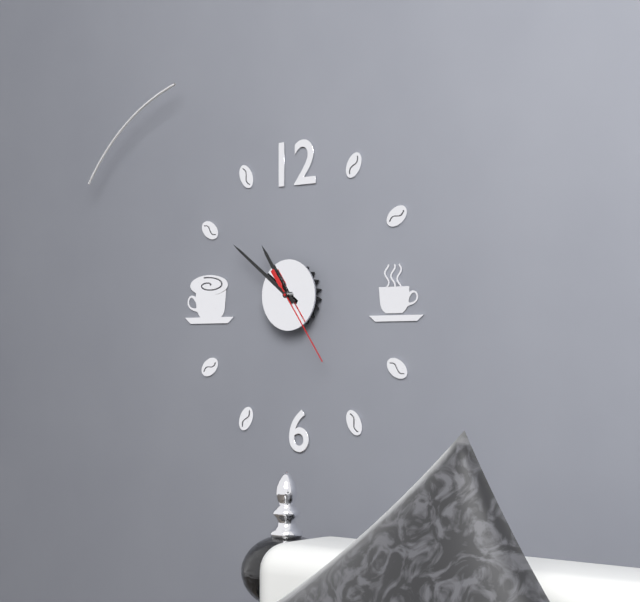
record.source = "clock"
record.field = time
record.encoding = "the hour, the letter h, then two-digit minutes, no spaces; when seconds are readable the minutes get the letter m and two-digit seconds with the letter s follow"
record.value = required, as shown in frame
10h51m24s
